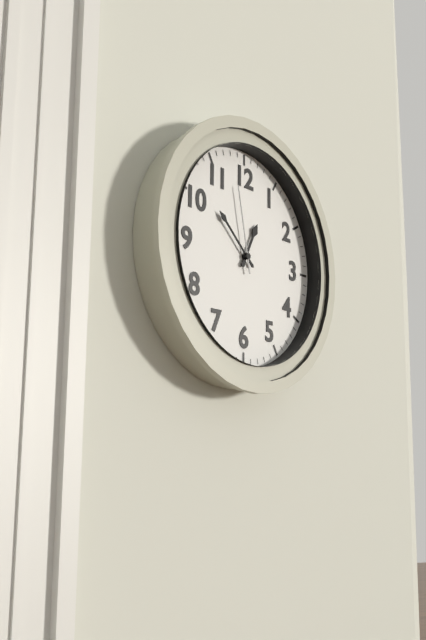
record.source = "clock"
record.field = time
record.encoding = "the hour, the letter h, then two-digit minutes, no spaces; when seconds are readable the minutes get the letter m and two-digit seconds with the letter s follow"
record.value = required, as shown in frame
12h52m58s
